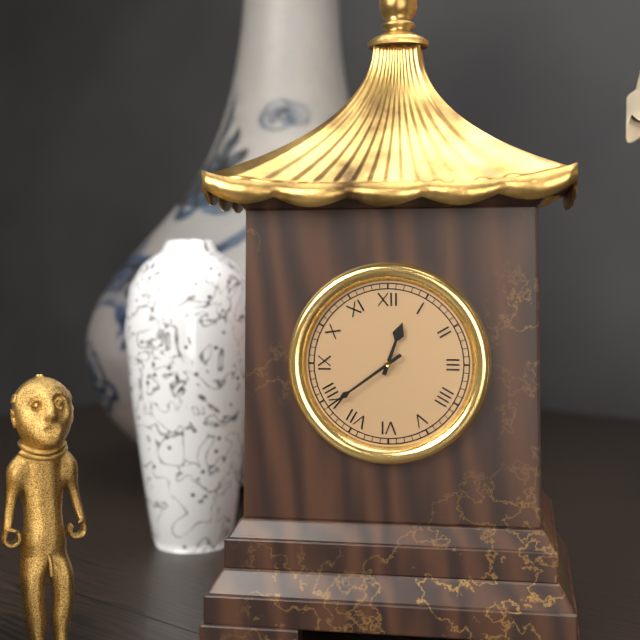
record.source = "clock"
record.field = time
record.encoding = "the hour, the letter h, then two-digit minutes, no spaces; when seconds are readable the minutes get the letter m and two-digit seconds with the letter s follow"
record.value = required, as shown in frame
12h39
